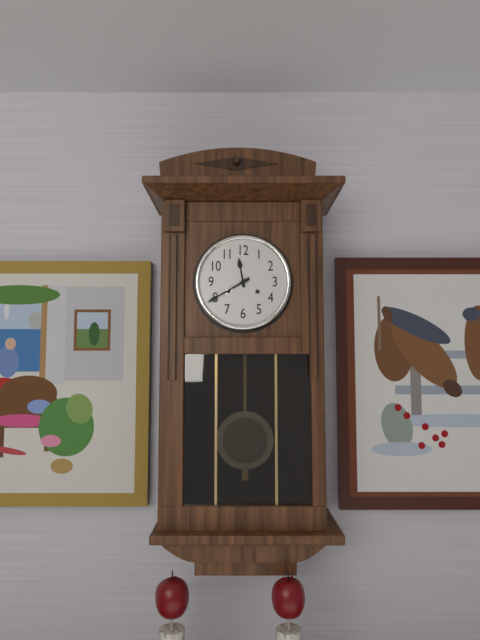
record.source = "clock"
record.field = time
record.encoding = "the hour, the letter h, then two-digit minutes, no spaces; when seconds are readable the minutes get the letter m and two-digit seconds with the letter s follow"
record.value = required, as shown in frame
11h40
